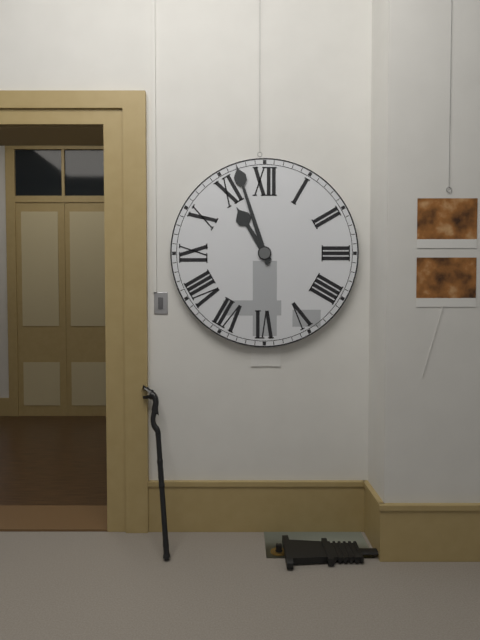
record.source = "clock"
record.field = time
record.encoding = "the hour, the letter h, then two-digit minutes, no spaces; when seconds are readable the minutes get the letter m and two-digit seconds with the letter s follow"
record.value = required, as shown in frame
10h57
